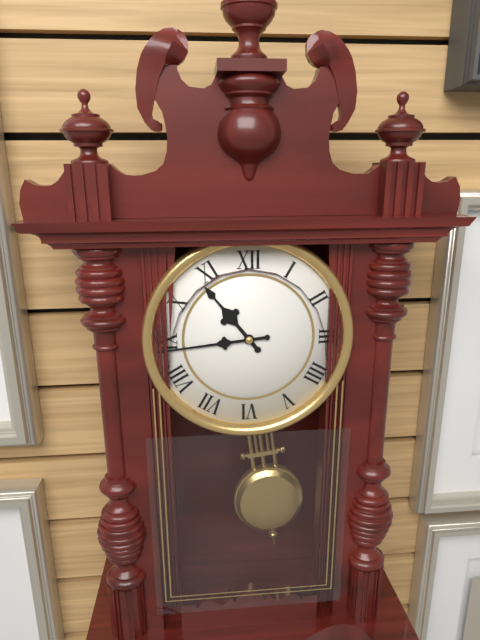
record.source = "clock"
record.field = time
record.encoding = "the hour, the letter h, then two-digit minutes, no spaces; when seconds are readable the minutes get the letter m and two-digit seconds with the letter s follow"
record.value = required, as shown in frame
10h44
